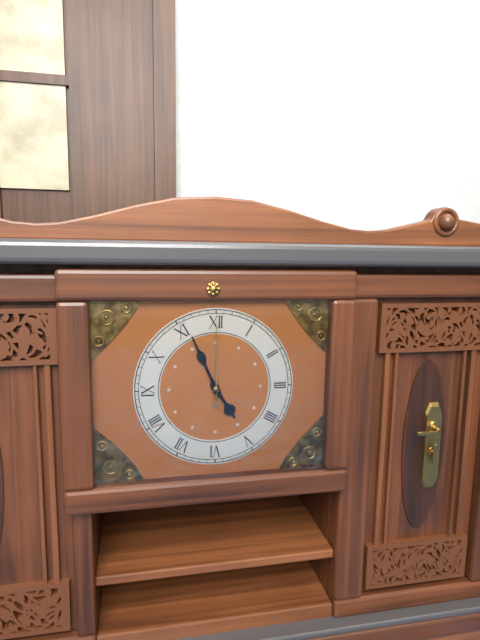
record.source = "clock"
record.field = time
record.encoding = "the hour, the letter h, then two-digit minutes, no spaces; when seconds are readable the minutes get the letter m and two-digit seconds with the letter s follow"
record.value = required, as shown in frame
4h56m00s
